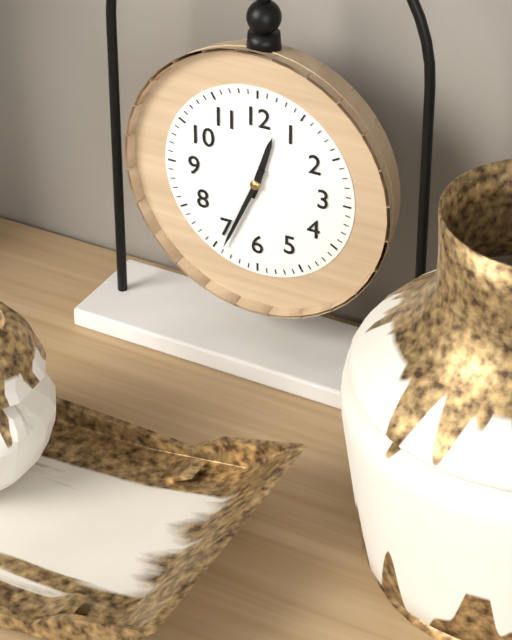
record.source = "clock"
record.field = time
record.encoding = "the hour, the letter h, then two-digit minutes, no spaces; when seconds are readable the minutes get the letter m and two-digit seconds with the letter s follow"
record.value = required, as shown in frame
12h34
